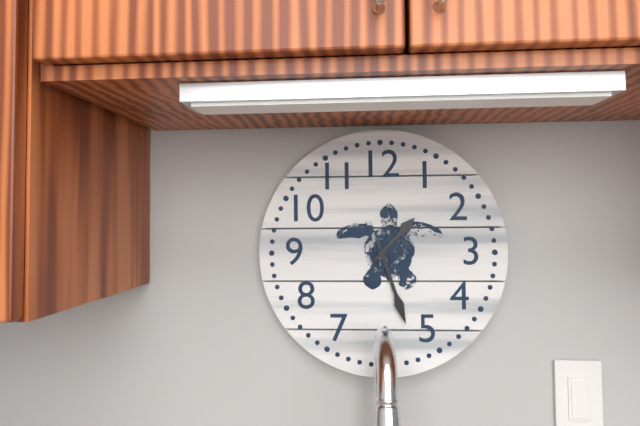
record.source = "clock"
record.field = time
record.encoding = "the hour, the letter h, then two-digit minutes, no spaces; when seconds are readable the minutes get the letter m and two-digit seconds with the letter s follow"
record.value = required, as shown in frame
1h27
